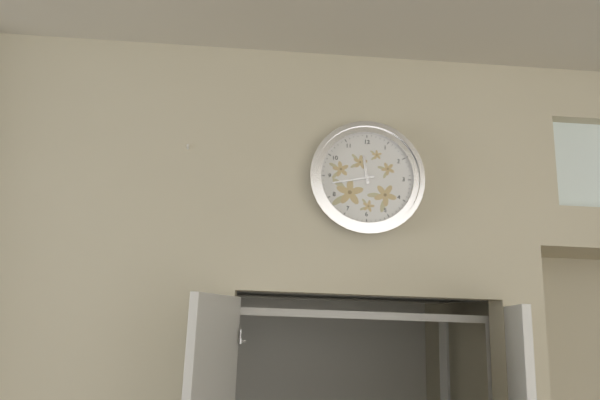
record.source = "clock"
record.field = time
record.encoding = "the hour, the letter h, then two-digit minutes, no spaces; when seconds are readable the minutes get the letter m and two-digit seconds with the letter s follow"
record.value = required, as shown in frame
11h43
